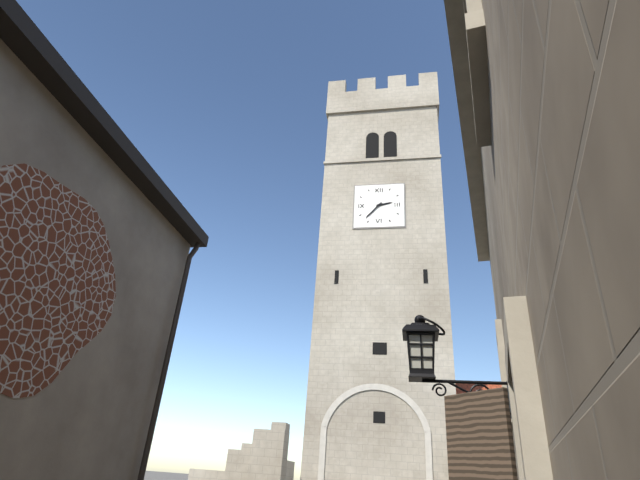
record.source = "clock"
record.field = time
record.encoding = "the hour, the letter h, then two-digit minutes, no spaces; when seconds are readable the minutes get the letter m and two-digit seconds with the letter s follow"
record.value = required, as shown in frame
2h37
